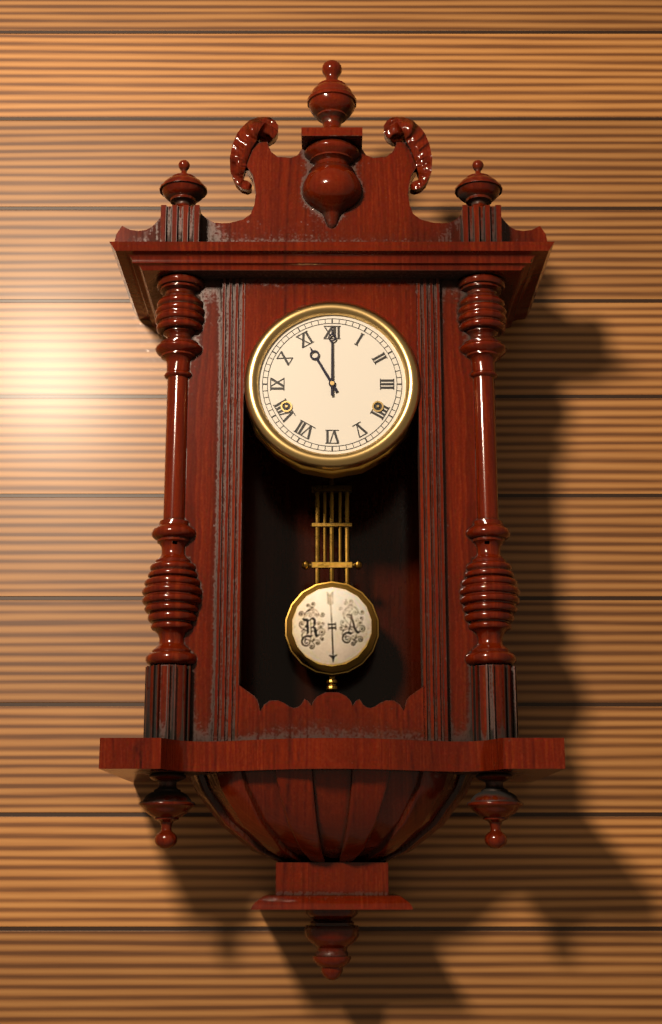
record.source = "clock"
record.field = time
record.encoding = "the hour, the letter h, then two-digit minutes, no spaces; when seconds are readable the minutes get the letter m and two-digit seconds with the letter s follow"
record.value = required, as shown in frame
11h00
